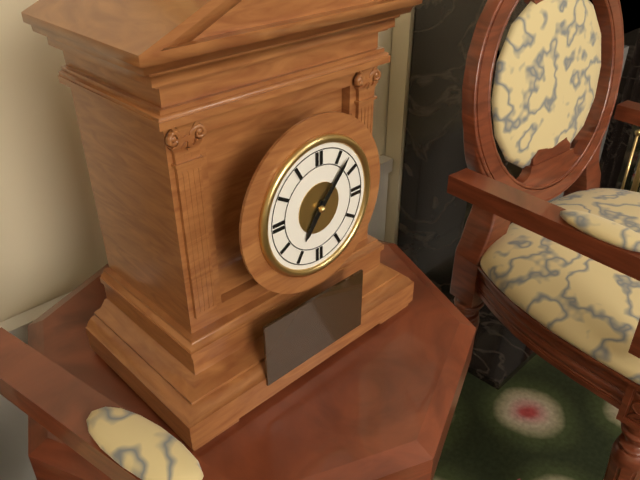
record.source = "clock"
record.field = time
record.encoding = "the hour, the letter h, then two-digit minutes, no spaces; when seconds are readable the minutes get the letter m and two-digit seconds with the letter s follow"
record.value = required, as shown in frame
7h07
